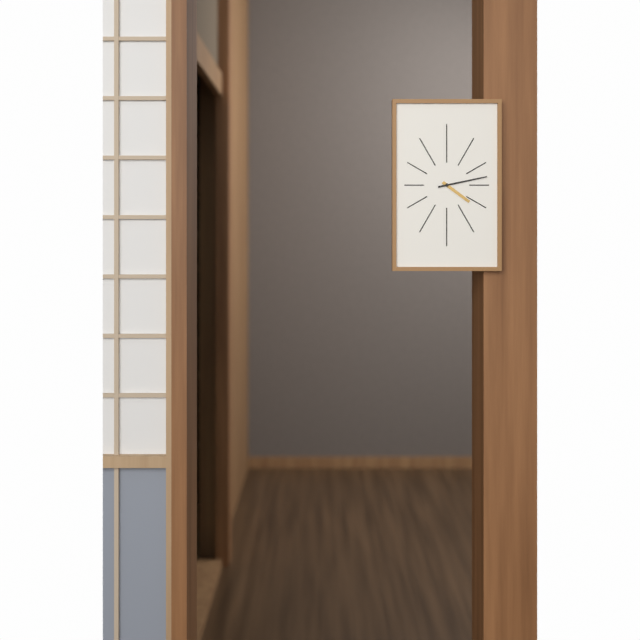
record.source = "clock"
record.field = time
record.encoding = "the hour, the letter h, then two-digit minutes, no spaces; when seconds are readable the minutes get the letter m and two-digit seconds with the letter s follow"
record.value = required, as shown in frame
4h13
